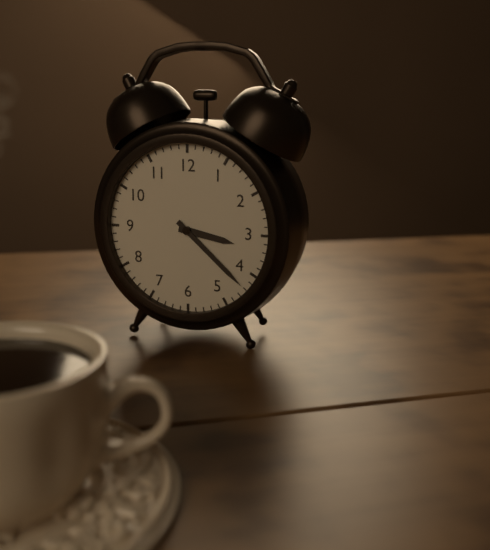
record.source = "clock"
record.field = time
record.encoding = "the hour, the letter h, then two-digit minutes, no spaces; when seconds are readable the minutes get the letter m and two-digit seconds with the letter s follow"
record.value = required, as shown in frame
3h22
